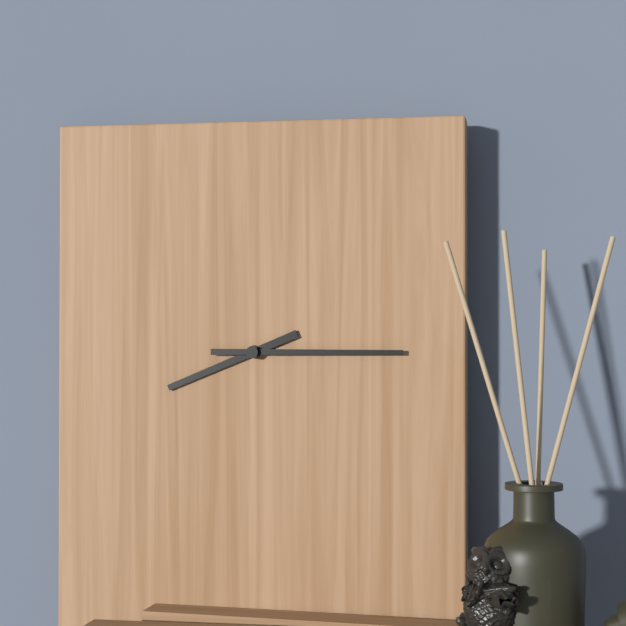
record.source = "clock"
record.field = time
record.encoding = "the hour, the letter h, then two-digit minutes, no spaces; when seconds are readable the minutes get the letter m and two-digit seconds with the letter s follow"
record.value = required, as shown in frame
8h15
